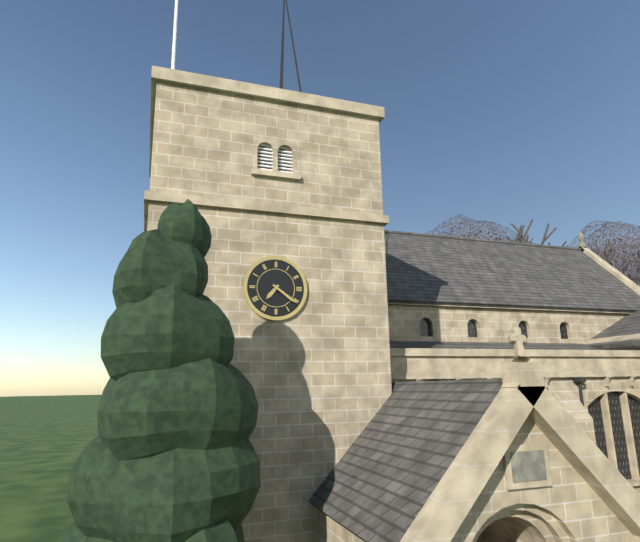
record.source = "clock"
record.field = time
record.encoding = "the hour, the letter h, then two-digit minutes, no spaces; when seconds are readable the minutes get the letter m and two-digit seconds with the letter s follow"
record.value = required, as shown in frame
7h21
